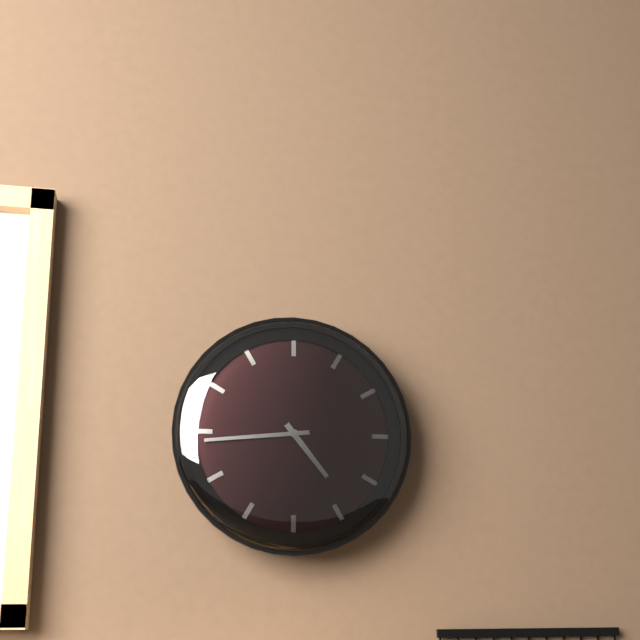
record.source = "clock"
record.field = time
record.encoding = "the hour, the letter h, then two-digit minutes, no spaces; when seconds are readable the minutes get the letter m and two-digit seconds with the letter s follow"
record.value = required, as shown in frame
4h44
